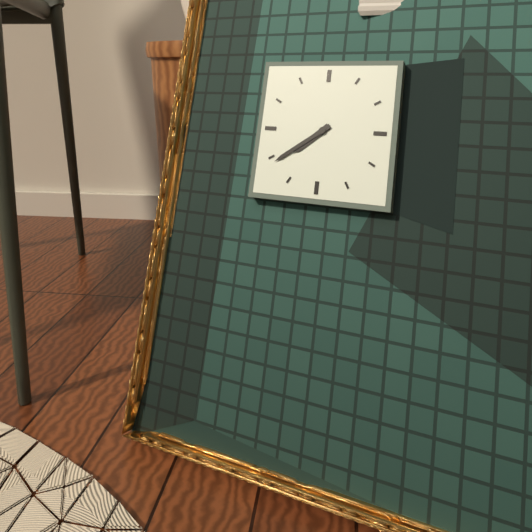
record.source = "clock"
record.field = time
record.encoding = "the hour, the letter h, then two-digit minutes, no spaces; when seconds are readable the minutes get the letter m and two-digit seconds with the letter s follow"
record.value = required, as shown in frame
7h39
